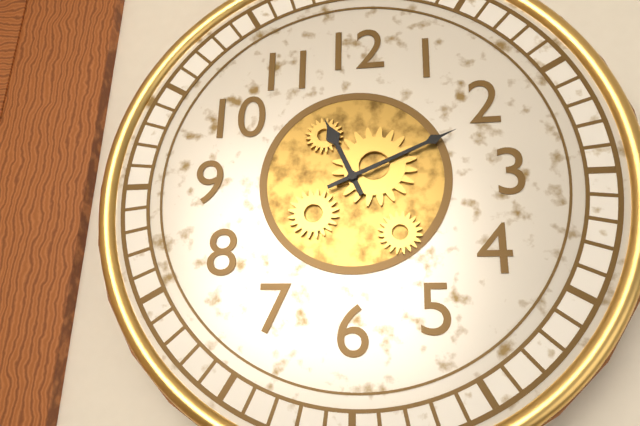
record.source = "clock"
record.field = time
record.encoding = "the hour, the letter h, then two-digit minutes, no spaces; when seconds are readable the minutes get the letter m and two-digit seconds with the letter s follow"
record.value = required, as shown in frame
11h11
